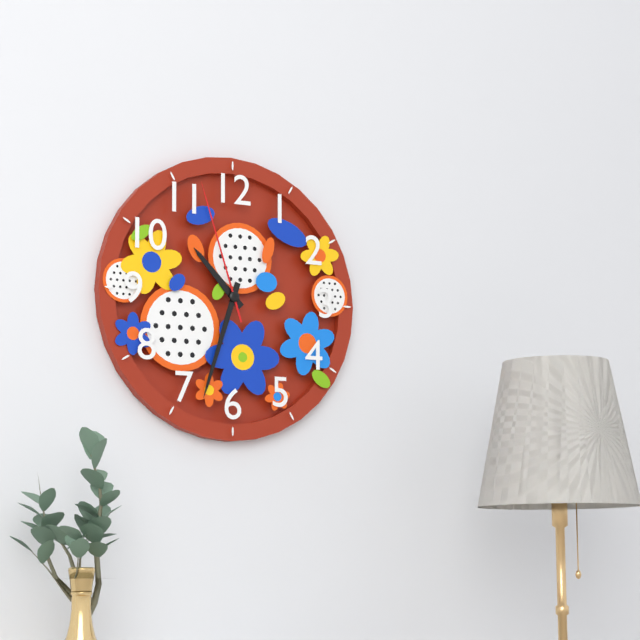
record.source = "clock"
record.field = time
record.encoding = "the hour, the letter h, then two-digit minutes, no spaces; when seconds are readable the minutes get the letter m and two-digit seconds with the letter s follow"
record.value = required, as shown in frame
10h33m57s
